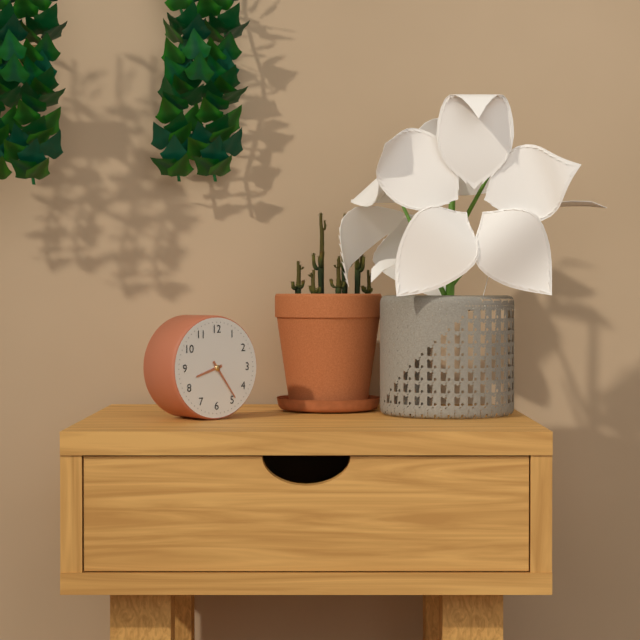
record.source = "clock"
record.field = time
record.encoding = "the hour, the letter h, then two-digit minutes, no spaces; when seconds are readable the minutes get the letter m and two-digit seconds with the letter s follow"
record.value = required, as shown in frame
8h24
